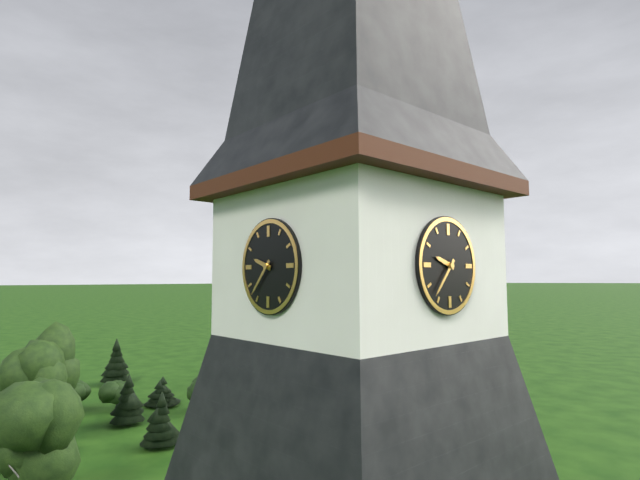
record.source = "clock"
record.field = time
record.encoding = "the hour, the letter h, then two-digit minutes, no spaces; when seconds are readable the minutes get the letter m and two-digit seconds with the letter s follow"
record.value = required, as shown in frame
9h37
